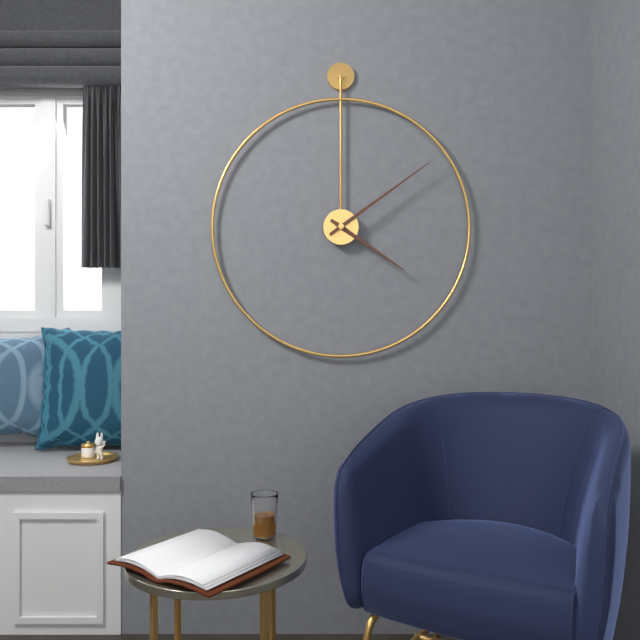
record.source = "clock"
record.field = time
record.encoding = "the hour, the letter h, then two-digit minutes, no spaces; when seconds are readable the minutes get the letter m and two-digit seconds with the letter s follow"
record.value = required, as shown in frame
4h09
